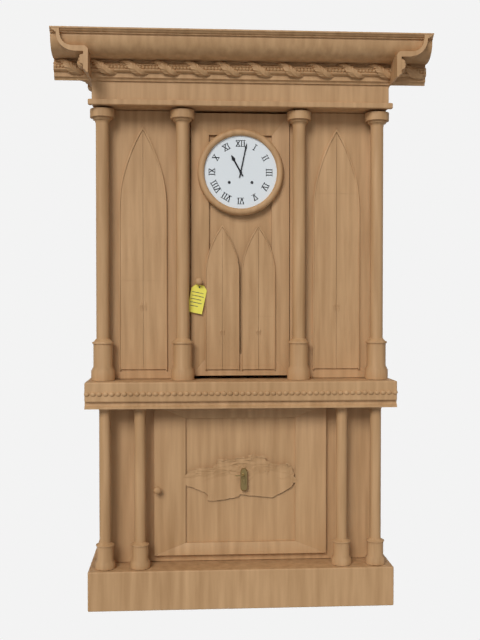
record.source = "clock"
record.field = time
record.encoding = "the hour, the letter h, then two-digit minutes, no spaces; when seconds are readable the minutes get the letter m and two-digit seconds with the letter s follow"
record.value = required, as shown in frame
11h02
